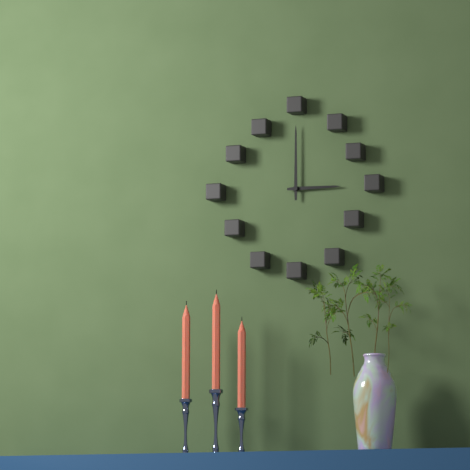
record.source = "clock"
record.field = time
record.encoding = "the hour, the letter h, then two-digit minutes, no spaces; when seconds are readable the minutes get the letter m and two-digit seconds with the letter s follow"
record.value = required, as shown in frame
3h00
